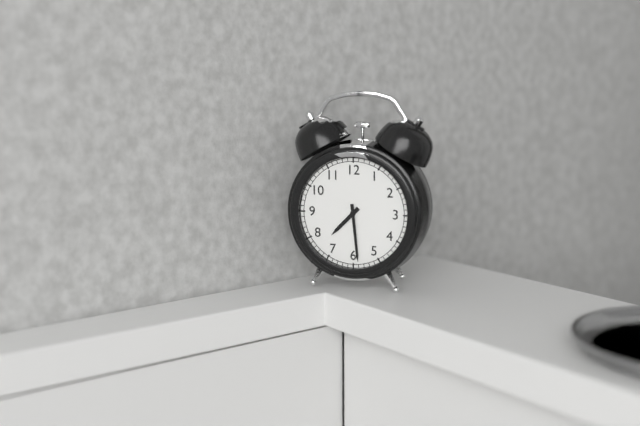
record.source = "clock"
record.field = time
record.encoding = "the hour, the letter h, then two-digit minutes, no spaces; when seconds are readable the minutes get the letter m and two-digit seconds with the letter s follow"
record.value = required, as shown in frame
7h29
